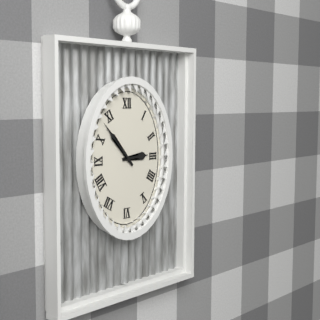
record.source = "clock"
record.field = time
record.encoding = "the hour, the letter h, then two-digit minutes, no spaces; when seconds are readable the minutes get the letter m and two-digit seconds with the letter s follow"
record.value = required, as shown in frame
2h53
